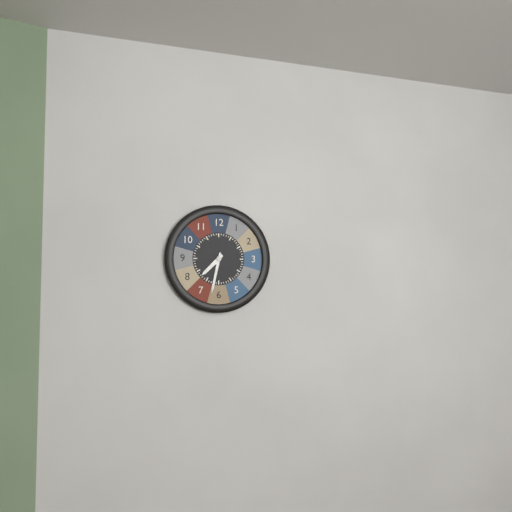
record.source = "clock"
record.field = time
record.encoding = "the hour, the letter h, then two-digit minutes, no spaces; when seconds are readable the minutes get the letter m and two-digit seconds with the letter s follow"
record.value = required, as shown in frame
7h32
